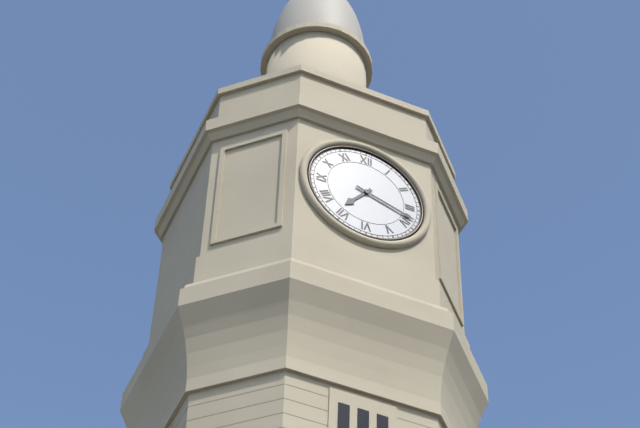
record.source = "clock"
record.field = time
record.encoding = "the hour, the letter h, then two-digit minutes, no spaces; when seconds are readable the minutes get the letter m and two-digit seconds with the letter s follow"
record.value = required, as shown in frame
7h18
